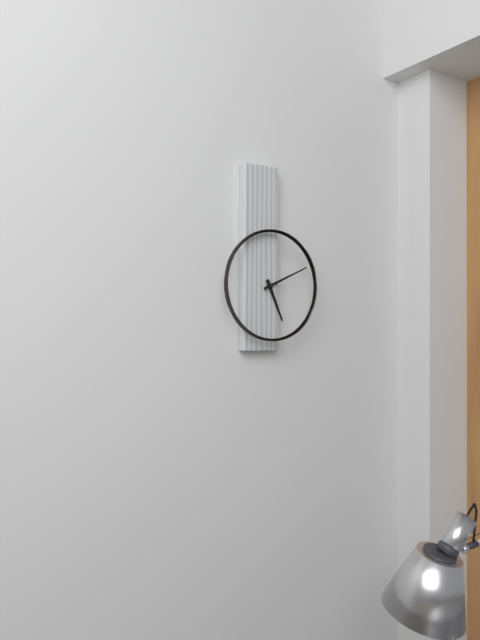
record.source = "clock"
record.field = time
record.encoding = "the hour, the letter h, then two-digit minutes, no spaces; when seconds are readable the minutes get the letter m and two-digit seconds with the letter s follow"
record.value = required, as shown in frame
5h11
